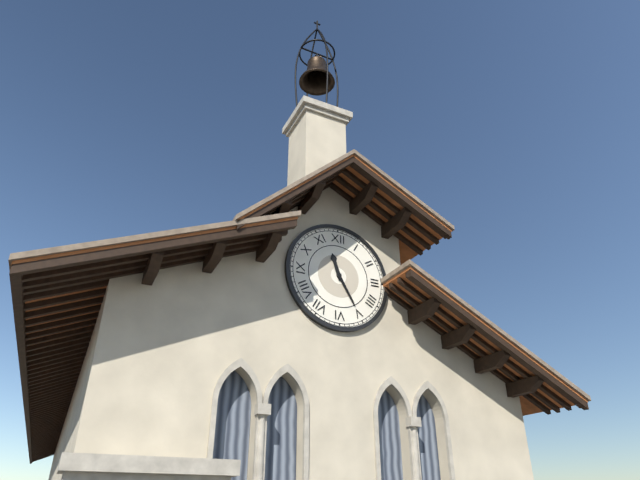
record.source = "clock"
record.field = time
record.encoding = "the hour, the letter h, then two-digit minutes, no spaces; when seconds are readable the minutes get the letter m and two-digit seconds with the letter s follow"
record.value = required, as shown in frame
11h25
